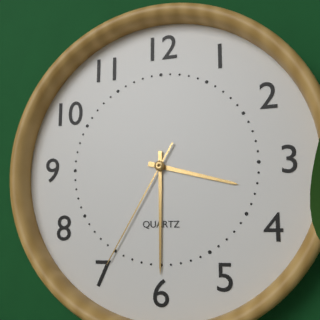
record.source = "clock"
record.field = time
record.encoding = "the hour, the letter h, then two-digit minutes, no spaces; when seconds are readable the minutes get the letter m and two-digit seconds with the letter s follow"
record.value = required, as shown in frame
3h30m35s
